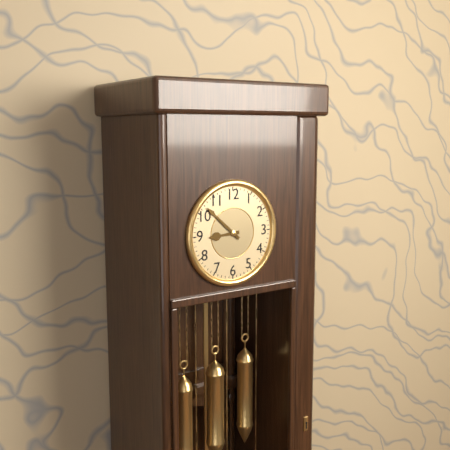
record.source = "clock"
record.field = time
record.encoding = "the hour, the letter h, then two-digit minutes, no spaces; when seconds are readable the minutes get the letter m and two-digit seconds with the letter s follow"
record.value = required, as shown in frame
8h52
